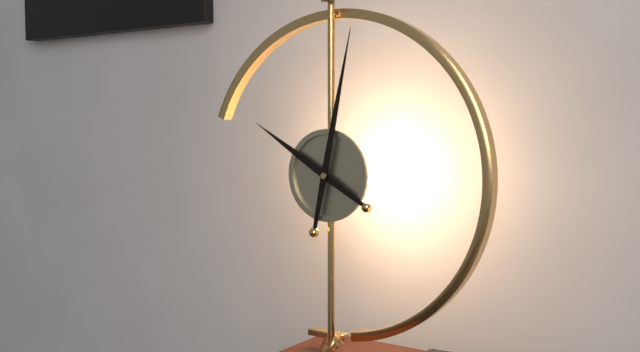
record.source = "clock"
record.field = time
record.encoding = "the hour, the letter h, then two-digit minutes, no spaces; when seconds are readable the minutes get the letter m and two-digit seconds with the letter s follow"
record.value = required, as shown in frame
10h02
